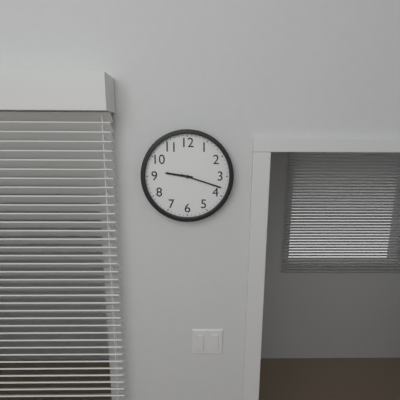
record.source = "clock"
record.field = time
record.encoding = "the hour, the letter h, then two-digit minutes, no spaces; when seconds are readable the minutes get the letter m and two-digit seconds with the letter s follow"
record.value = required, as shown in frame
9h18
